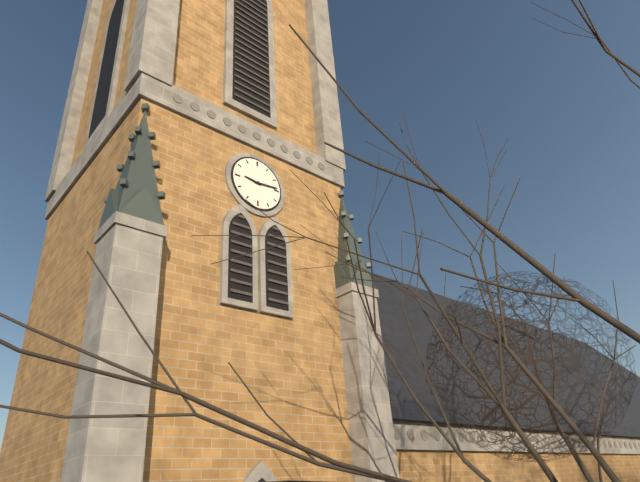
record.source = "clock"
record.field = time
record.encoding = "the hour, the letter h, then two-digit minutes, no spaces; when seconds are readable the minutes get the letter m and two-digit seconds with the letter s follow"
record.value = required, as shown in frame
9h14
